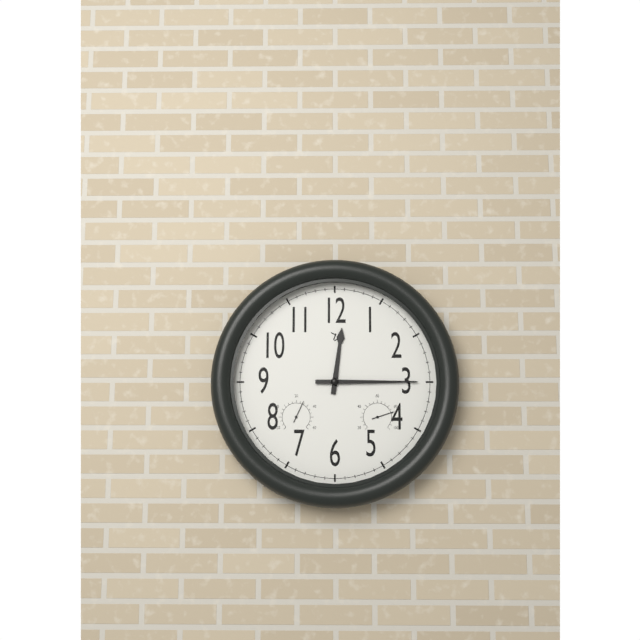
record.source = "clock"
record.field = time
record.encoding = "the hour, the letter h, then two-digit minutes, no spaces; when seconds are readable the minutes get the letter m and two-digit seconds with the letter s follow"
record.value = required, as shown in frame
12h15
